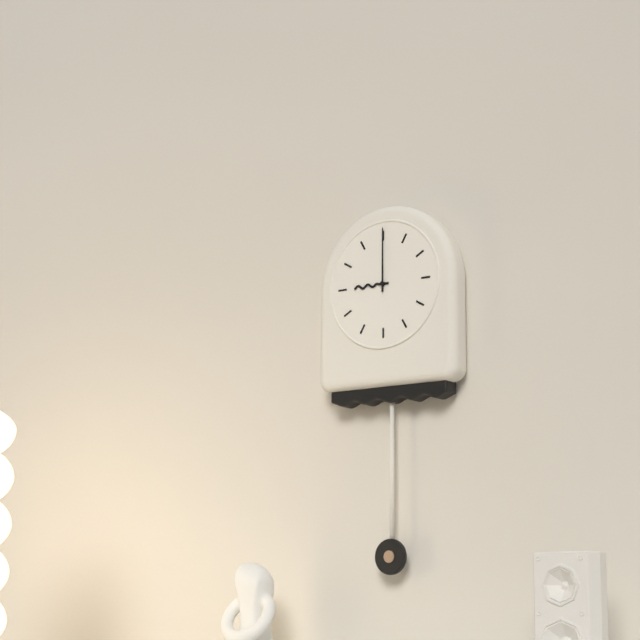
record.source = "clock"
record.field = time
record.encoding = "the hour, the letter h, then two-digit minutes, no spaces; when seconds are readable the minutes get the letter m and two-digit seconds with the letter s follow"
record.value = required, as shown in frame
9h00
